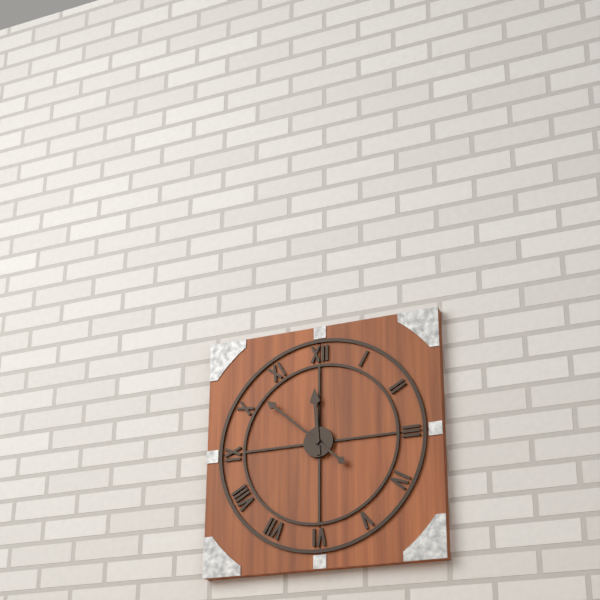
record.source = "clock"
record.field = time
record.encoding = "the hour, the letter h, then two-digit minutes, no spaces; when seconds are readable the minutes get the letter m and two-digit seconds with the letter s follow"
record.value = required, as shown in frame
11h52
